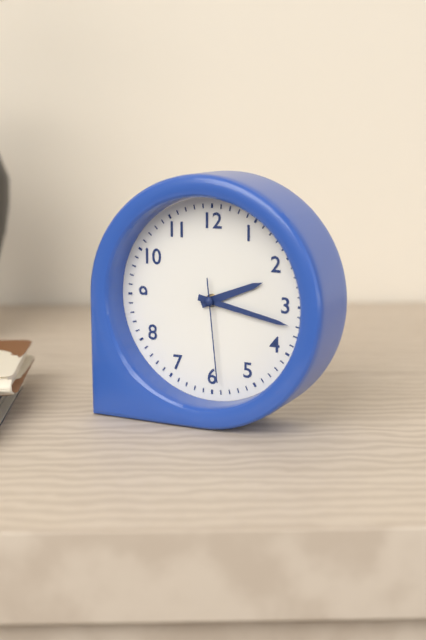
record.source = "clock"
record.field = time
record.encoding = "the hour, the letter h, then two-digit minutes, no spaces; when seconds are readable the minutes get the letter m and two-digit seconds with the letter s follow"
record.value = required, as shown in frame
2h17m29s
